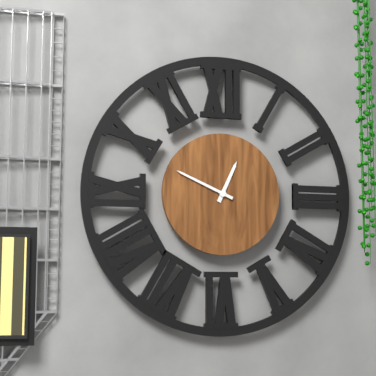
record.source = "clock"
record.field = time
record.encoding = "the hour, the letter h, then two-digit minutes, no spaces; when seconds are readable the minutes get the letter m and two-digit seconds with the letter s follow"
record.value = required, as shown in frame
12h49
